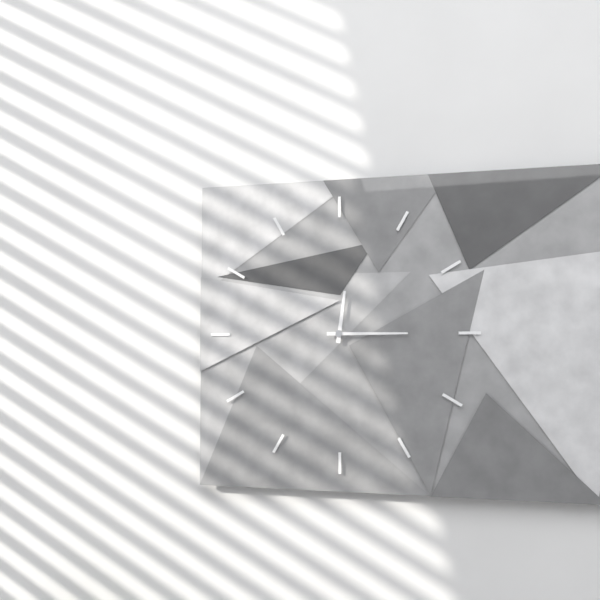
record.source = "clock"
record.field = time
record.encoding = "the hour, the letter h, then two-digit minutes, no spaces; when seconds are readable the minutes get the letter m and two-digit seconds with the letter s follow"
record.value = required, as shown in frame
12h15
